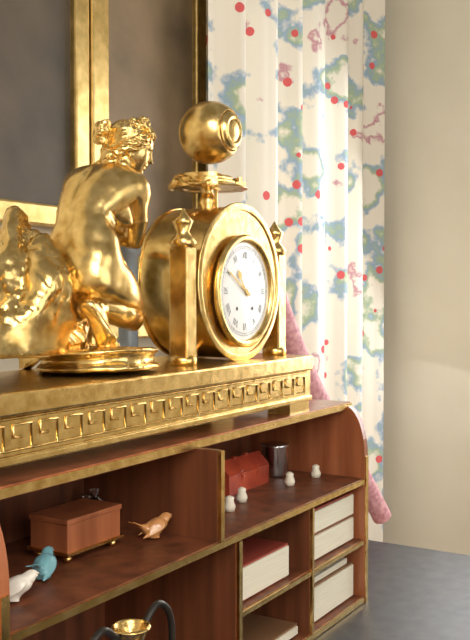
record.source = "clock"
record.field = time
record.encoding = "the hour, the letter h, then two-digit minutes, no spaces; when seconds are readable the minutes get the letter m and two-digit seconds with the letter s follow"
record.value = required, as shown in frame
10h50
